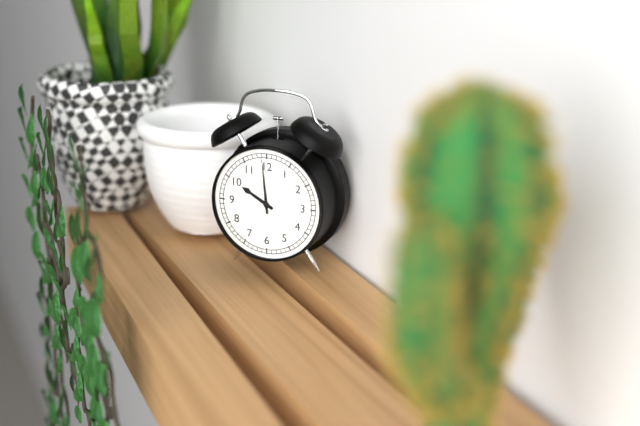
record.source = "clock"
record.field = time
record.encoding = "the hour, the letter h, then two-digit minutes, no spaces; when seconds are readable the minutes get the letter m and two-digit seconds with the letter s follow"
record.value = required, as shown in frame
9h59
